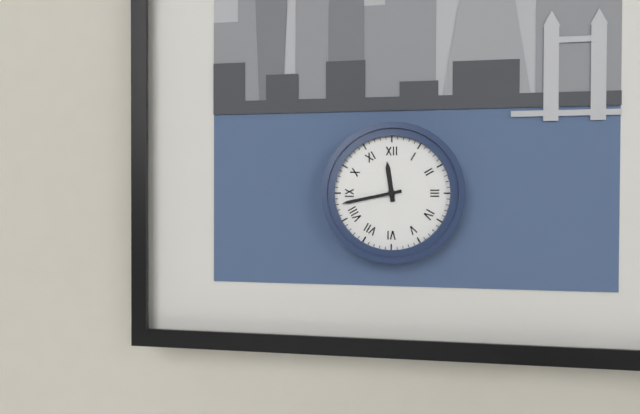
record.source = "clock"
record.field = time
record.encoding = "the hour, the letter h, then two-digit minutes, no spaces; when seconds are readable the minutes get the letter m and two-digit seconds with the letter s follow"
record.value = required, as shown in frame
11h43
